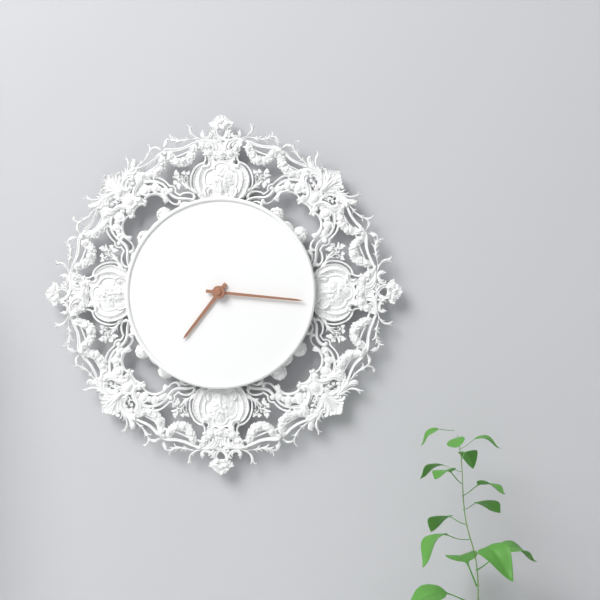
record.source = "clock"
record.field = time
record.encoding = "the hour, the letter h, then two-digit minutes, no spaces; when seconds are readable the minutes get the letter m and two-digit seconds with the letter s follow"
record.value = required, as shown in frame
7h16
